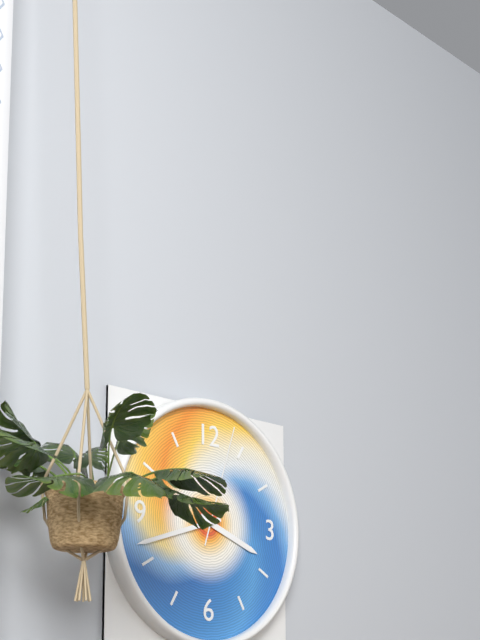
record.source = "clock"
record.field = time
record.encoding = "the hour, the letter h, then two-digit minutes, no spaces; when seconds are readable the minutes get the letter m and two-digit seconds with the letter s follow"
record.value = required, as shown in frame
3h42m03s
